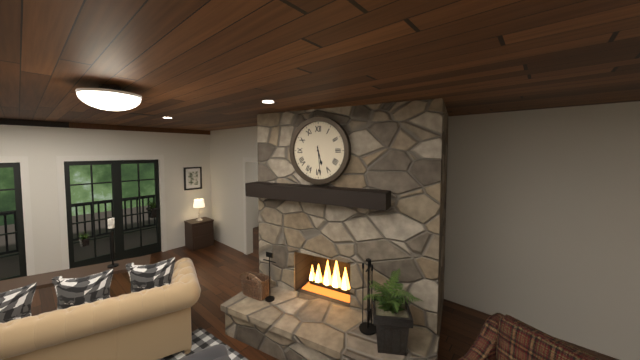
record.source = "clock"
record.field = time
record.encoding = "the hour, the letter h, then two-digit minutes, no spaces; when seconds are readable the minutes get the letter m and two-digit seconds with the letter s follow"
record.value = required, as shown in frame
5h29
